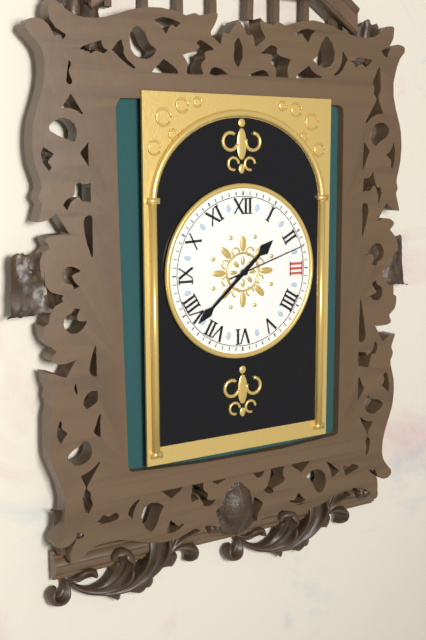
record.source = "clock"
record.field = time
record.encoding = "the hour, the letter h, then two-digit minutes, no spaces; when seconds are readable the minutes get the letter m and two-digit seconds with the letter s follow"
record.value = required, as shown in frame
1h38m12s
